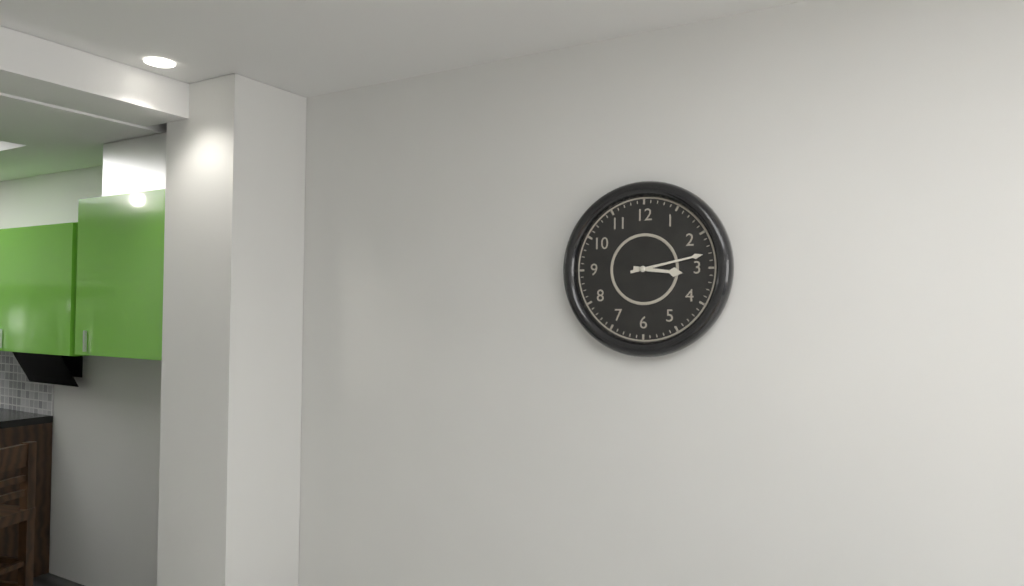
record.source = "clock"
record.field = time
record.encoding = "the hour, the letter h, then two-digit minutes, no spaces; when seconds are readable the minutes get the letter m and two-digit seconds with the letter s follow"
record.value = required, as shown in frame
3h13
